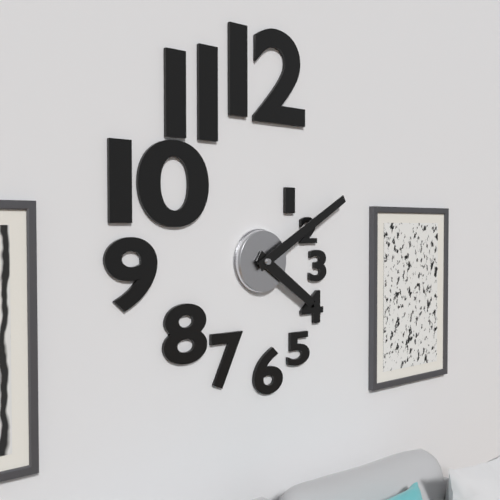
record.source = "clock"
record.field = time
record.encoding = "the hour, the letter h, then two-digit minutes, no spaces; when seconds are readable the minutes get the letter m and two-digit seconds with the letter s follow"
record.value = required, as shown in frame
4h10
